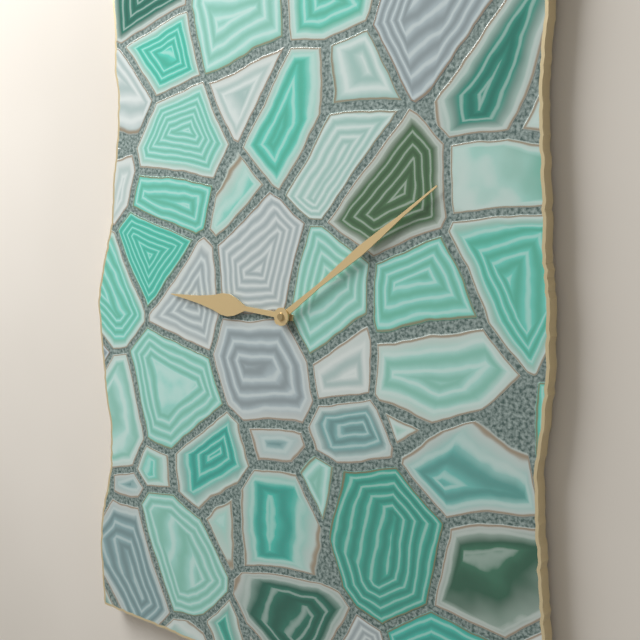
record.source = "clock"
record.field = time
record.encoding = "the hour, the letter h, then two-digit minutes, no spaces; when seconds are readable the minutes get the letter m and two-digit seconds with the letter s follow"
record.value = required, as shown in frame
9h09
